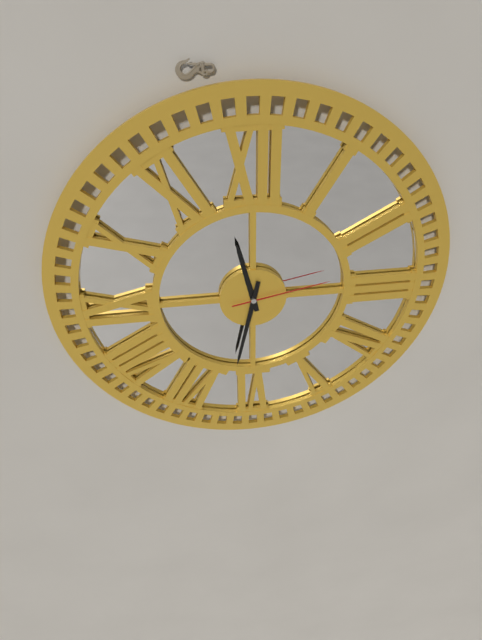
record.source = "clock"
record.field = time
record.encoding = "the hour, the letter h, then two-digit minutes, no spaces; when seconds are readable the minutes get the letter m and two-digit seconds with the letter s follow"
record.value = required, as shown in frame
11h32m13s
